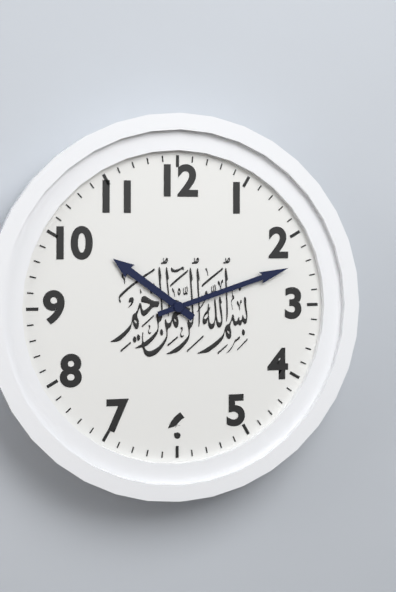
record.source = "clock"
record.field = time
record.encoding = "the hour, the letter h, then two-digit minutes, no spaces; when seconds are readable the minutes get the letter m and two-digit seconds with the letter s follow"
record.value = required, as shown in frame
10h12
